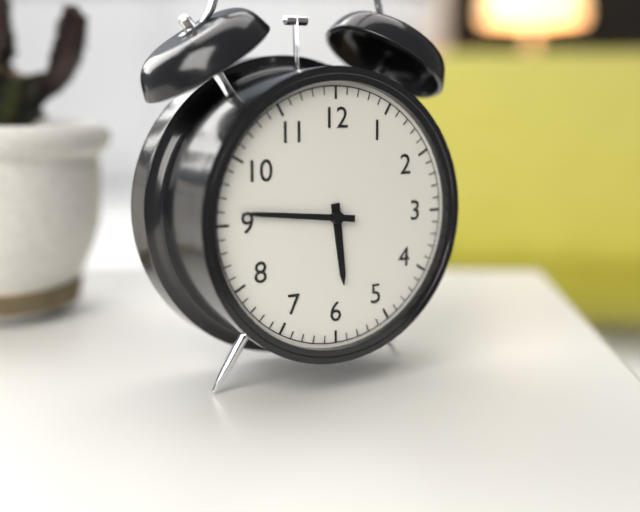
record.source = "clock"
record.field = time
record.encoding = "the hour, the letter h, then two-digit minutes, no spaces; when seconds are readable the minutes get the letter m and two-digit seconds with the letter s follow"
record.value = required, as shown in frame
5h46
